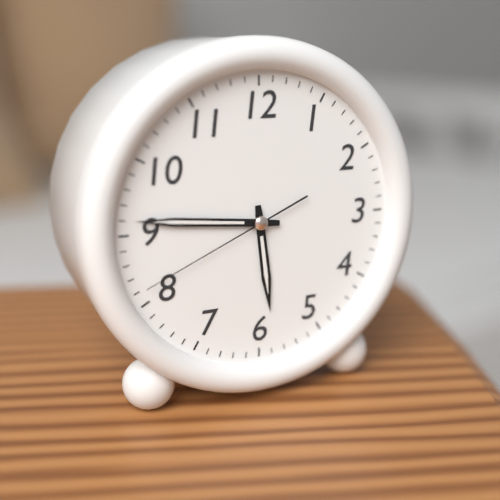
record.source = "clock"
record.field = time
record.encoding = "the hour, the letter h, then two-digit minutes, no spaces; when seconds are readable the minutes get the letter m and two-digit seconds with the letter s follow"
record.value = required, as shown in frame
5h46m41s
